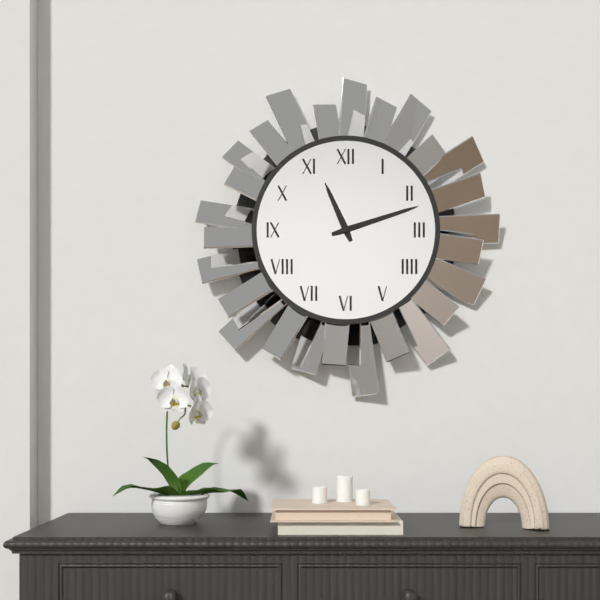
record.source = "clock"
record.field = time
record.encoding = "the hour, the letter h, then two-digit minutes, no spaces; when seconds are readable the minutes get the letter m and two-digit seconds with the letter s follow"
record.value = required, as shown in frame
11h12
